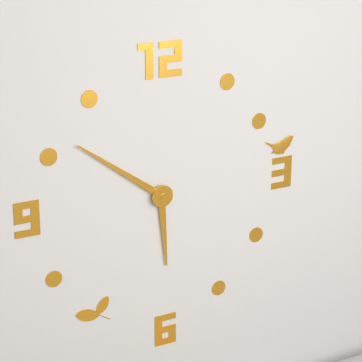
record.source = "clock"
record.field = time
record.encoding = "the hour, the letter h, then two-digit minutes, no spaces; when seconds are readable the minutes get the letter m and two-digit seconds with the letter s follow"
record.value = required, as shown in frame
5h51
